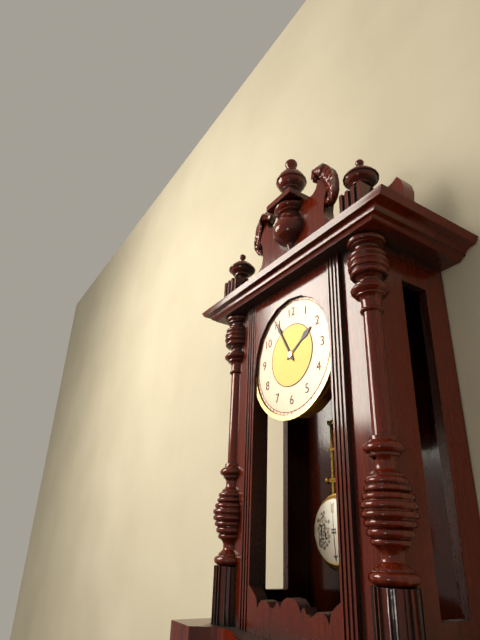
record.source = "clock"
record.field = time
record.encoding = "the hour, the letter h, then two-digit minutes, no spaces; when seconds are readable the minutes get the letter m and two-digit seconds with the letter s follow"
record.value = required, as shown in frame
1h55
